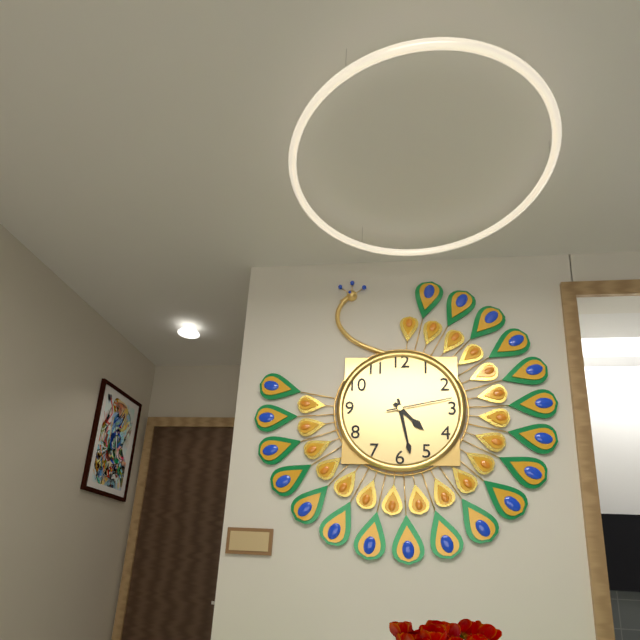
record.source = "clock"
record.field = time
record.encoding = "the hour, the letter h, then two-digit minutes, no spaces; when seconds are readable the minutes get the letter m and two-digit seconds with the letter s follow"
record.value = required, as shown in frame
4h28m13s
